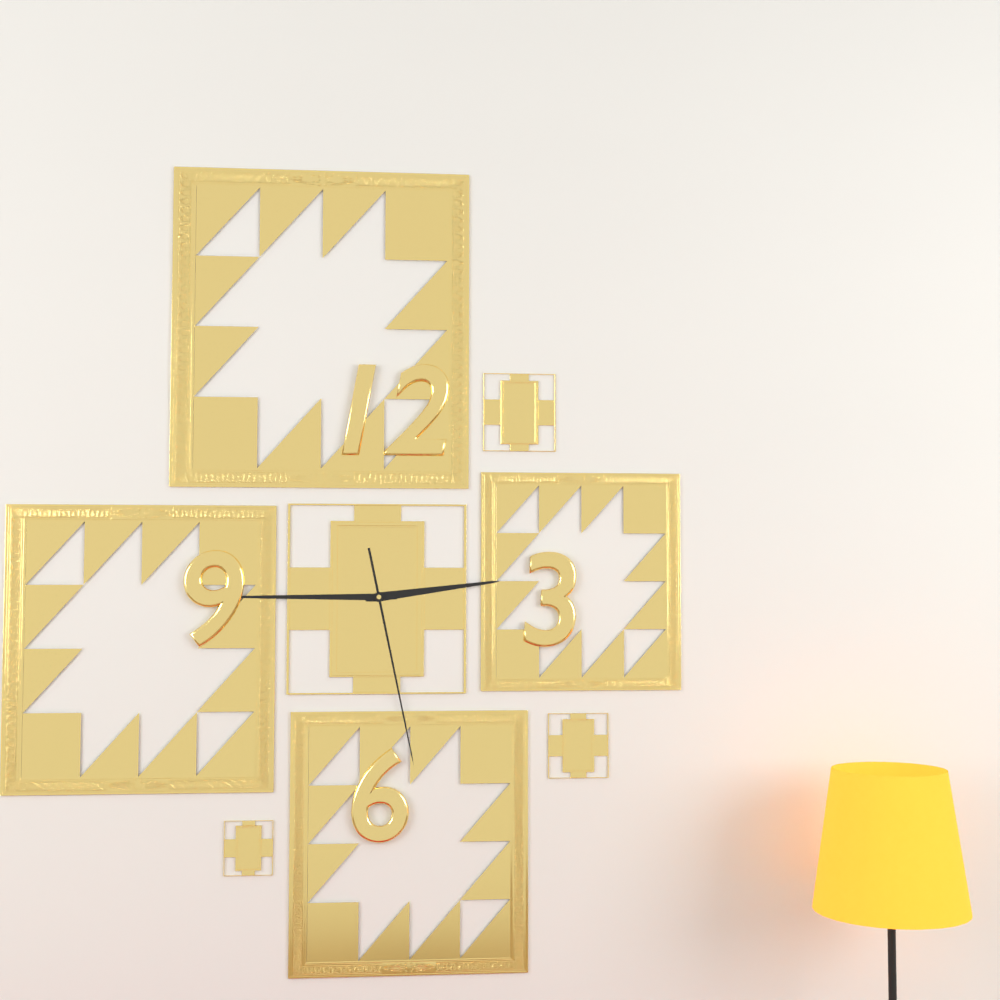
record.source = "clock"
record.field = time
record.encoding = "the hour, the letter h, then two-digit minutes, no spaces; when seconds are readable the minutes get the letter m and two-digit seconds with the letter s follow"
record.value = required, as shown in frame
2h45m28s
